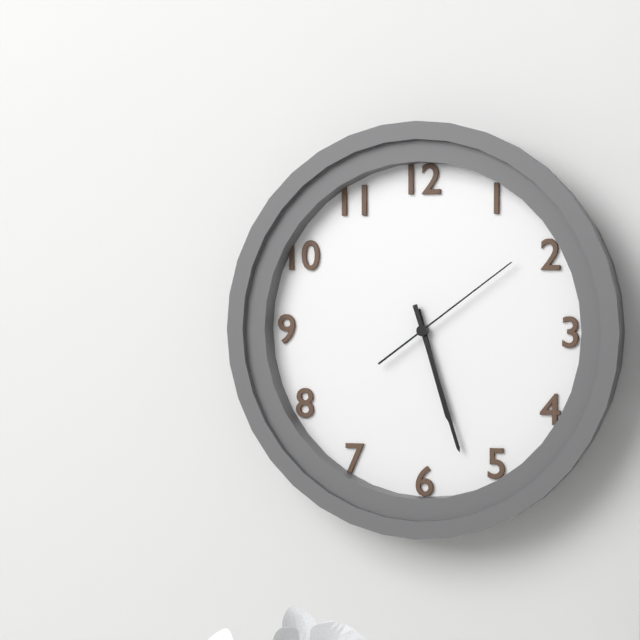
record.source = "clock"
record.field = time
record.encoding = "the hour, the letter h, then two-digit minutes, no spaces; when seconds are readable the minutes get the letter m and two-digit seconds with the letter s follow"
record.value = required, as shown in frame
5h27m09s
